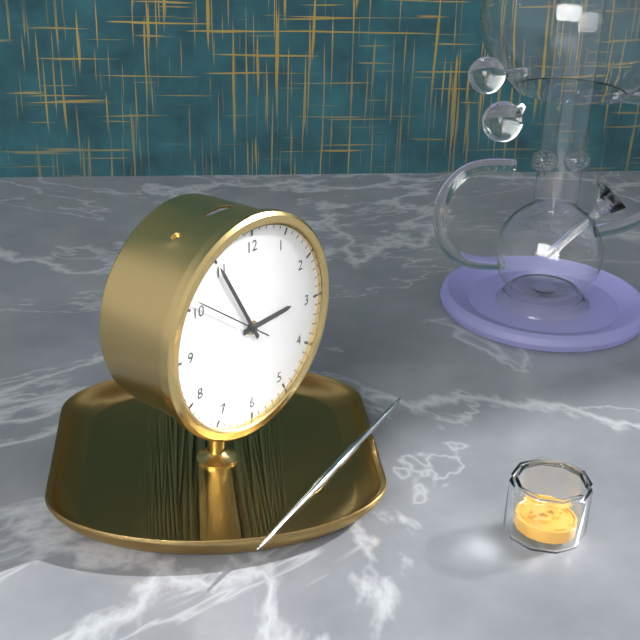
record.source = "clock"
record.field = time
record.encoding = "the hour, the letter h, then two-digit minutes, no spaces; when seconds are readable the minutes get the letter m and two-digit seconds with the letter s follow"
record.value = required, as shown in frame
2h55m51s
